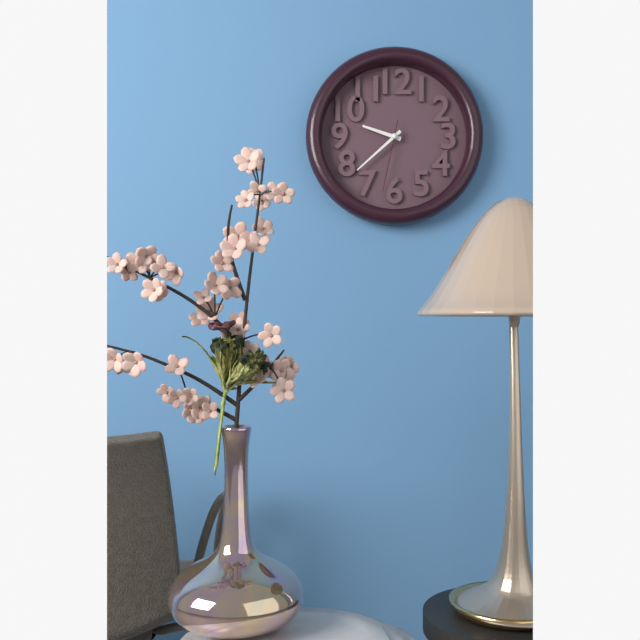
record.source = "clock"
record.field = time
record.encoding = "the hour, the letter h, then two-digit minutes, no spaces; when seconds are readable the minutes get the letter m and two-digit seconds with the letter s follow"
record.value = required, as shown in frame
9h38m32s
